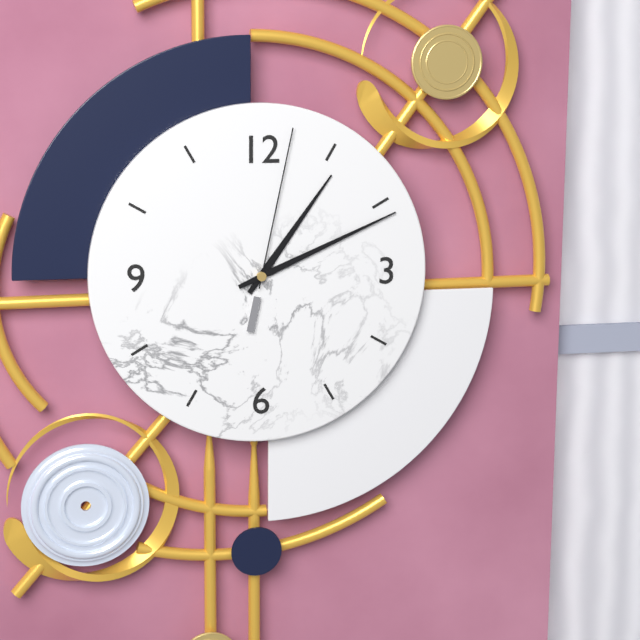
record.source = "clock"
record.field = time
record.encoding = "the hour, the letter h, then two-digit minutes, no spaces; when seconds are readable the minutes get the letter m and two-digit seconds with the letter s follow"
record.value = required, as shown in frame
1h11m02s
